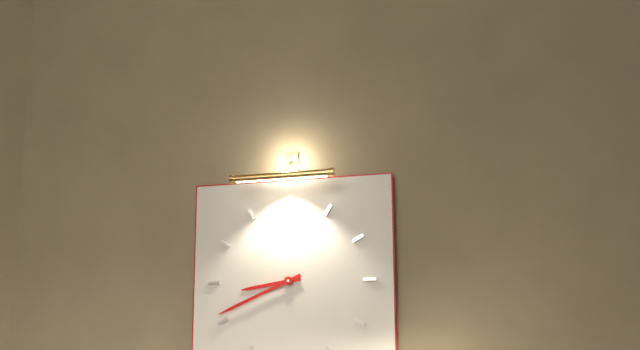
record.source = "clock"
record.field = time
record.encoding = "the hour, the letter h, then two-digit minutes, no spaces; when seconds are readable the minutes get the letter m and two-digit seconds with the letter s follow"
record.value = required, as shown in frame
8h41
